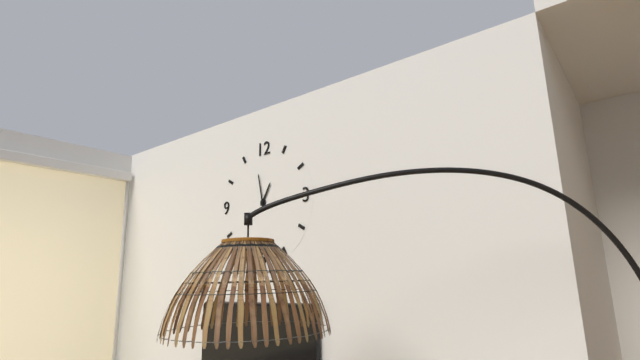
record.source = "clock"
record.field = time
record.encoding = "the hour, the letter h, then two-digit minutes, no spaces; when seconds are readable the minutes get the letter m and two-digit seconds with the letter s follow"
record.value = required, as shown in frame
12h58
